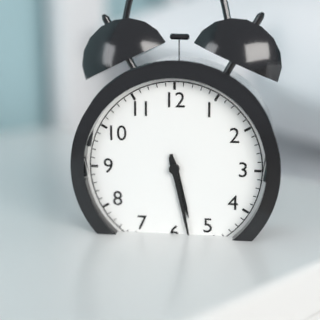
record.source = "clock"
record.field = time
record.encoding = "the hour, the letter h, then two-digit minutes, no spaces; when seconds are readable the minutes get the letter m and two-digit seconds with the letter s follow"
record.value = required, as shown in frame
5h28
